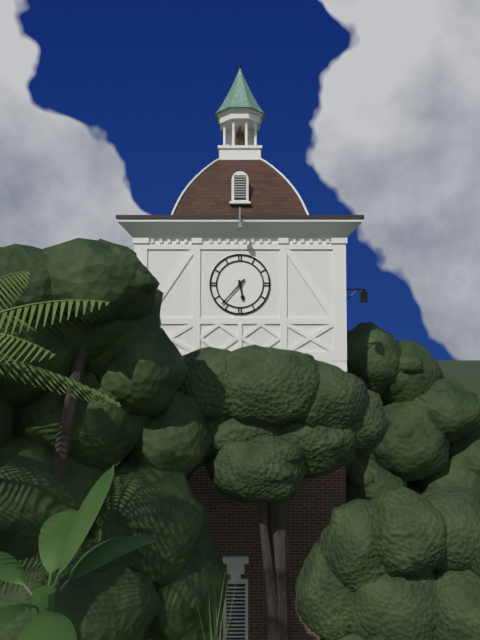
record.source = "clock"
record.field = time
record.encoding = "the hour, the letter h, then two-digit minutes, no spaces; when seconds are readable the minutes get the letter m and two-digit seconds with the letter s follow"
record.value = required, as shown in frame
5h37
